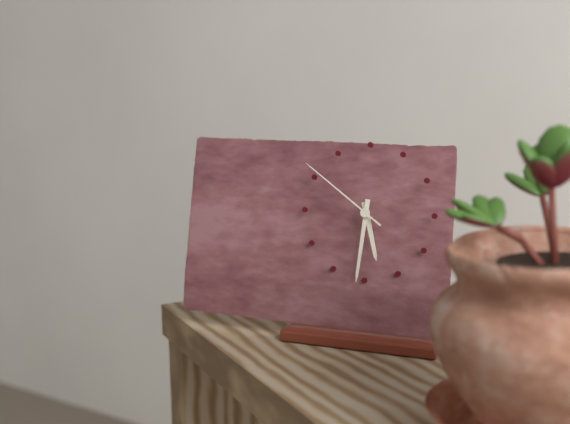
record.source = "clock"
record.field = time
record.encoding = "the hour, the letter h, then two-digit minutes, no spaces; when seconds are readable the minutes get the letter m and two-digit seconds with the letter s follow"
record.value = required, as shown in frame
5h31m51s
